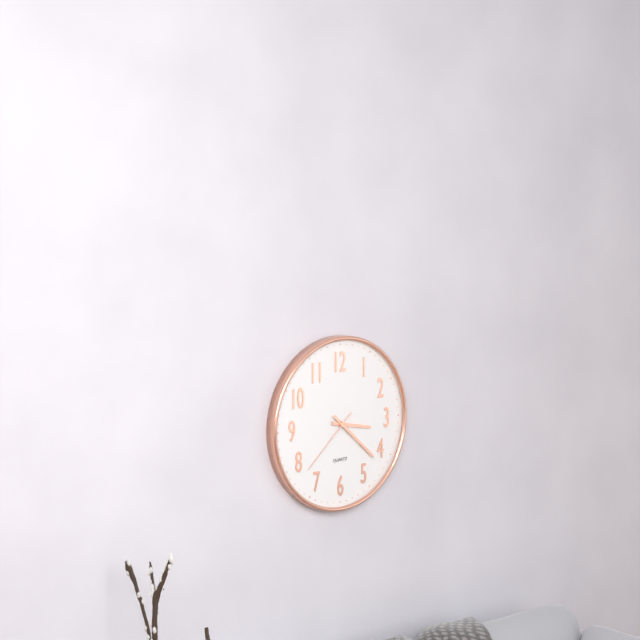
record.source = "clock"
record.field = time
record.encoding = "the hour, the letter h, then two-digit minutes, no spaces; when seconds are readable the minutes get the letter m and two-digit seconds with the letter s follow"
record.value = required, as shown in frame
3h22m38s
